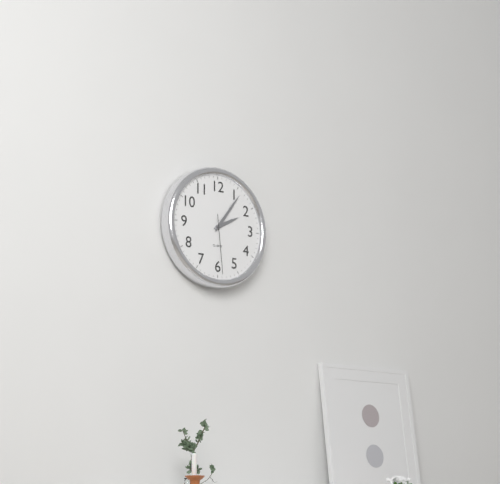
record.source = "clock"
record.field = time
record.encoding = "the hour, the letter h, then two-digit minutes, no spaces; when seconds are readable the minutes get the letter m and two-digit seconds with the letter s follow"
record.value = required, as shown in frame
2h06m29s
